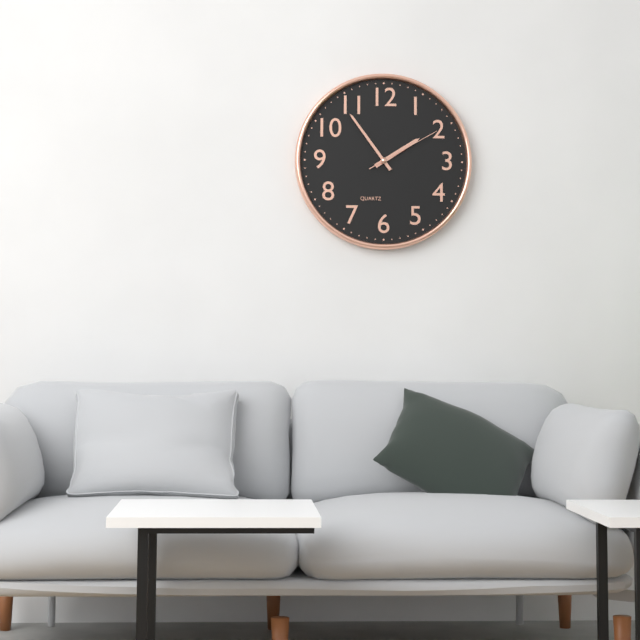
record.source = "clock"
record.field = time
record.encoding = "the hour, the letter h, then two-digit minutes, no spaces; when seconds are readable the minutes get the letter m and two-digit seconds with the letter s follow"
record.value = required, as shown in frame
1h54m10s
